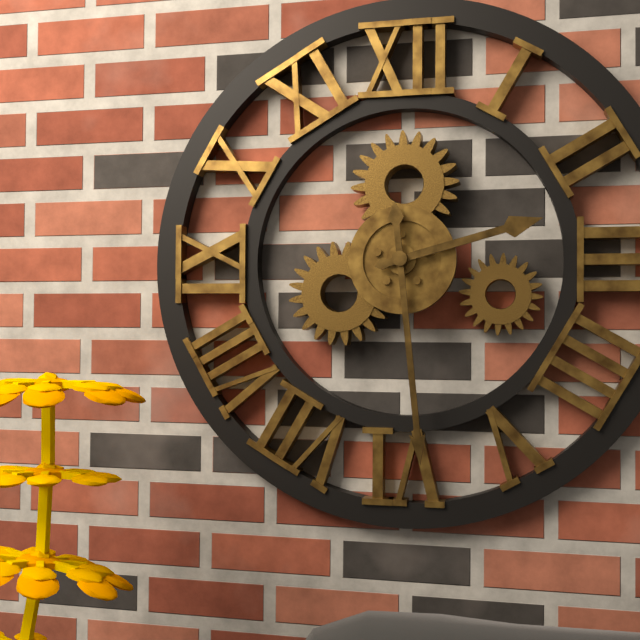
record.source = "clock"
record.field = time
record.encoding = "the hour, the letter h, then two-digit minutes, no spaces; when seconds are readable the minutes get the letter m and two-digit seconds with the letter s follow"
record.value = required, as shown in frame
2h29
